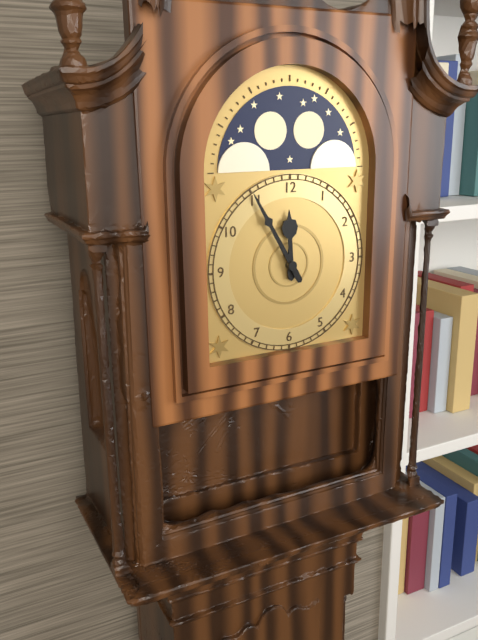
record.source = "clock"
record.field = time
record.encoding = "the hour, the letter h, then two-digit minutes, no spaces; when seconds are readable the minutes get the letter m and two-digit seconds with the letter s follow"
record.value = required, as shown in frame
11h55
